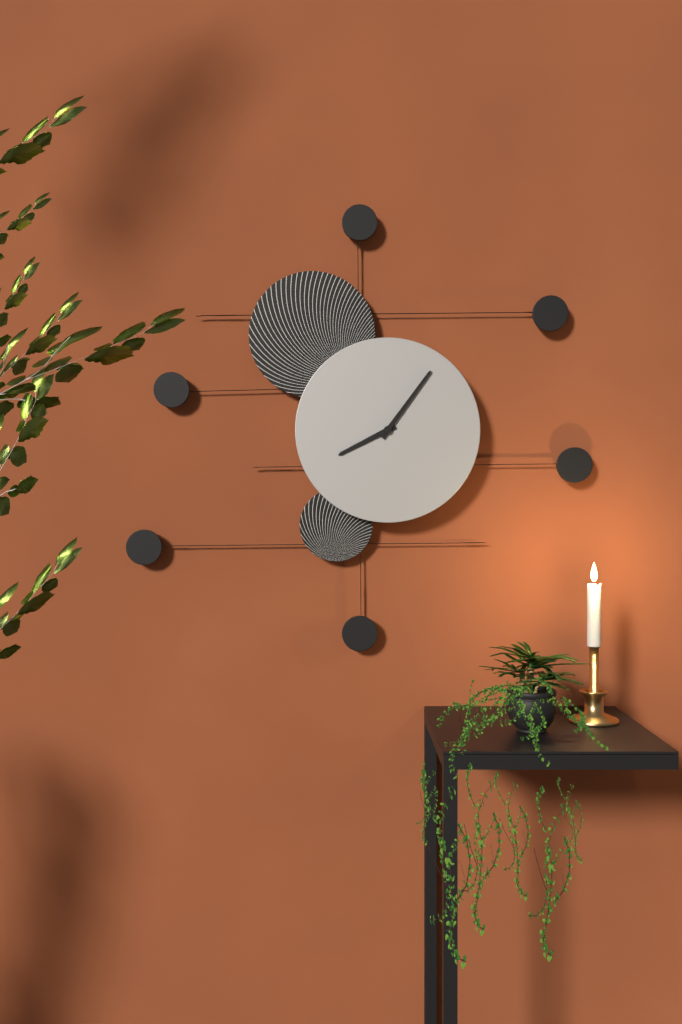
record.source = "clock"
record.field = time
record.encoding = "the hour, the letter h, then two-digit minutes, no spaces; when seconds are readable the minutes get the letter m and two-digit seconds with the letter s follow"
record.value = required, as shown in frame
8h06
